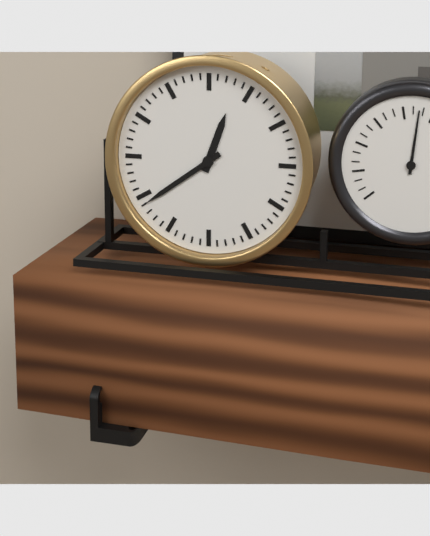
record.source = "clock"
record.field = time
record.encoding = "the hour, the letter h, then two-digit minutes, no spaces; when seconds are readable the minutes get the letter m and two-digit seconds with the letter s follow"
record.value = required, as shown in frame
12h39
